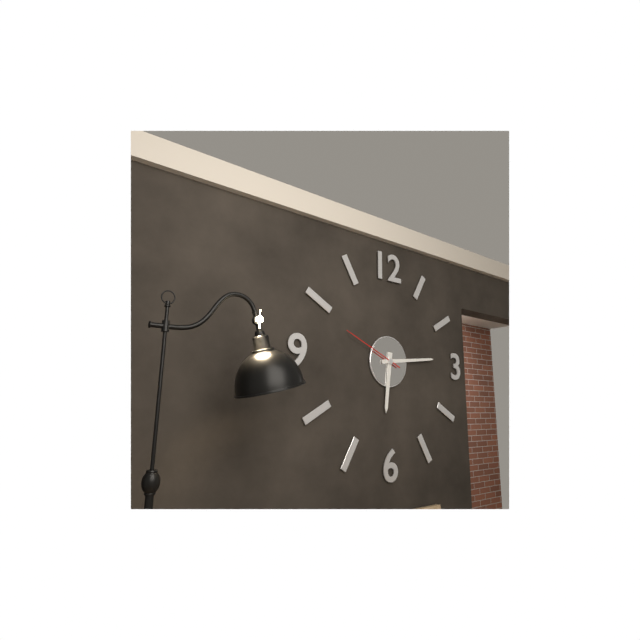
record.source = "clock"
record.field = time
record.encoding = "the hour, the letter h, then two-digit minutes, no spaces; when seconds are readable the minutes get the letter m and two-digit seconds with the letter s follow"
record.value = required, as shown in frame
6h14m49s
